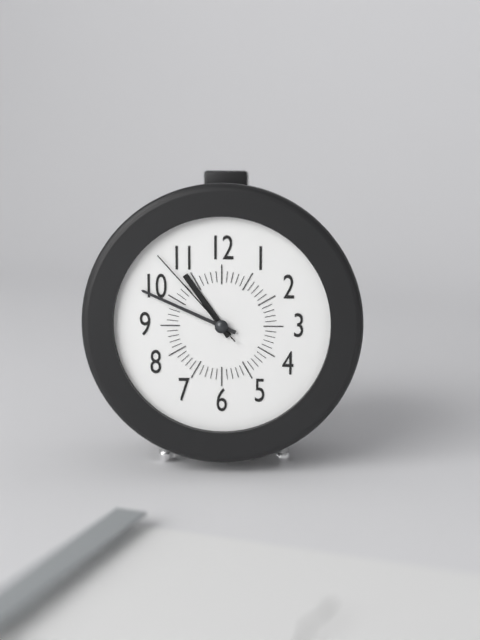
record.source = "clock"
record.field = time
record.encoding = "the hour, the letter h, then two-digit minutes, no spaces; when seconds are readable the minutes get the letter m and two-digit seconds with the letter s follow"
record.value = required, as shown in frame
10h49m53s
